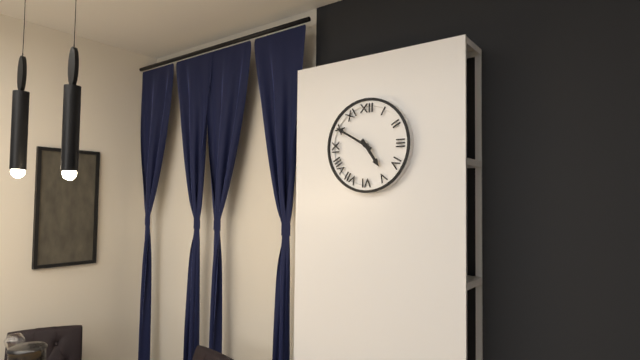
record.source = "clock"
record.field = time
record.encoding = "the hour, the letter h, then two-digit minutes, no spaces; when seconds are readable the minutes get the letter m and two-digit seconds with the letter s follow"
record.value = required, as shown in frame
4h50
